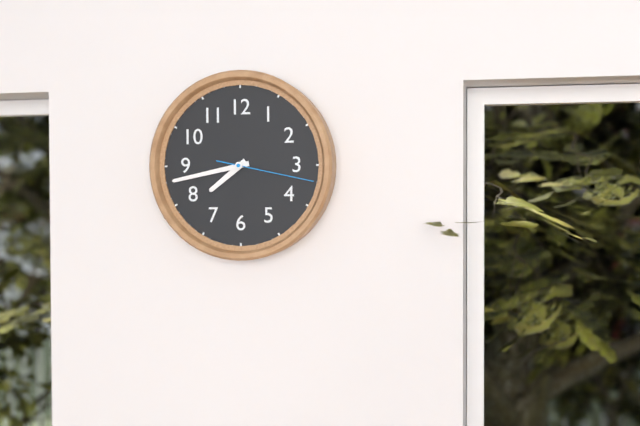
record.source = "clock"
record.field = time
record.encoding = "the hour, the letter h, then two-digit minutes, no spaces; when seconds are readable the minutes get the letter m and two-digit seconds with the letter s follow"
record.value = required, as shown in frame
7h43m17s
